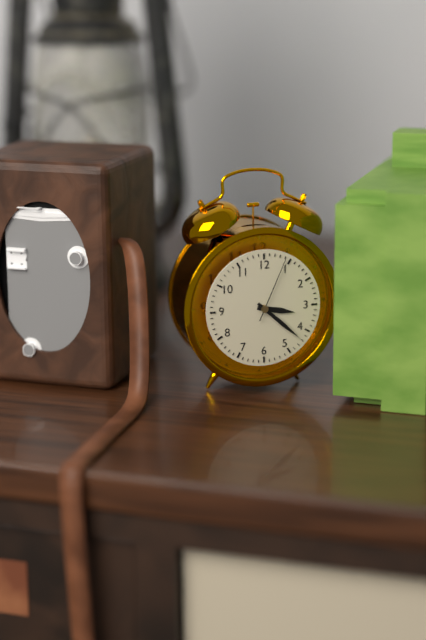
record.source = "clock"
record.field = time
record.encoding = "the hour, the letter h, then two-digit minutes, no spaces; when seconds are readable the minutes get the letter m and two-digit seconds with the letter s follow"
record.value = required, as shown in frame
3h22m04s
